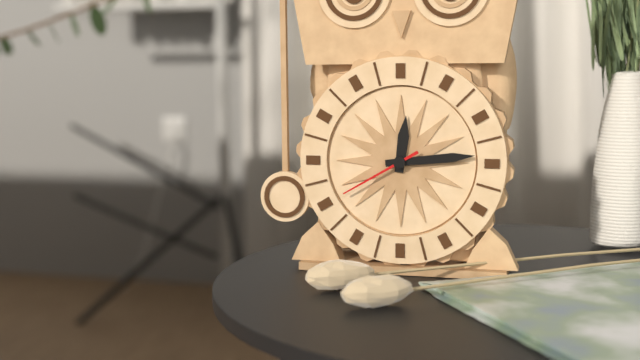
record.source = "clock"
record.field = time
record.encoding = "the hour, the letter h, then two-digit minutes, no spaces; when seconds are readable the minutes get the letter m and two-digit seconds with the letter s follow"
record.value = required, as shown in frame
12h14m40s
